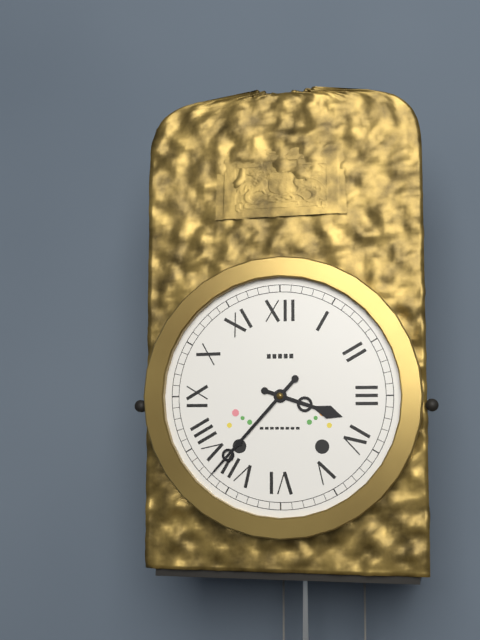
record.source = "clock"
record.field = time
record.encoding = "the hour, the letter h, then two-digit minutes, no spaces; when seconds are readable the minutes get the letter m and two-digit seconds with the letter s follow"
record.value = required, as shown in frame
3h37
